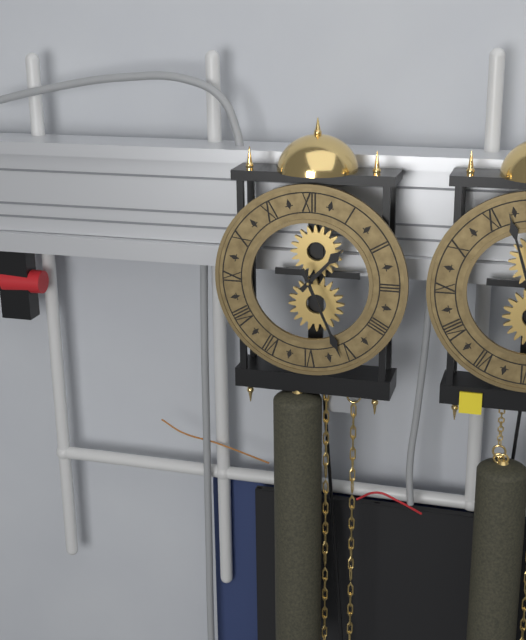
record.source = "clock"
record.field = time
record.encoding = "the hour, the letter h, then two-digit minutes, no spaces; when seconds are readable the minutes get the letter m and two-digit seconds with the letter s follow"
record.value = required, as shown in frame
1h26
